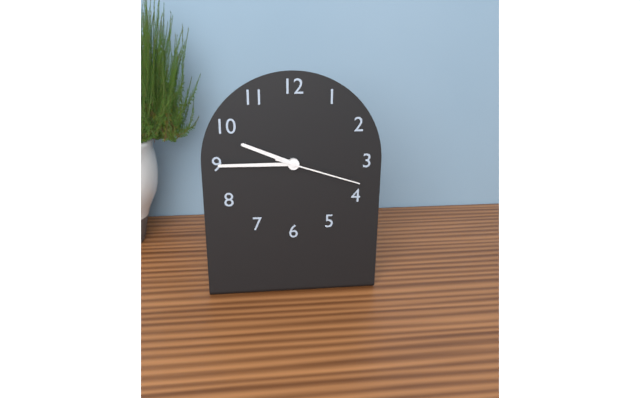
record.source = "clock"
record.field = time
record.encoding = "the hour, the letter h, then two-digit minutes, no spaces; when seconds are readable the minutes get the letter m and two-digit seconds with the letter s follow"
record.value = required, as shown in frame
9h45m18s
